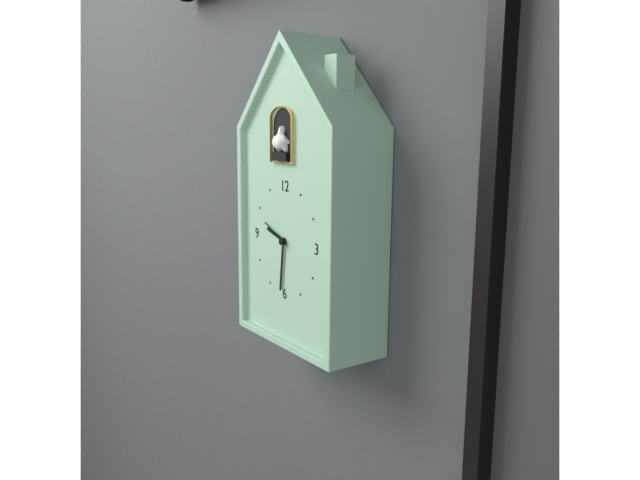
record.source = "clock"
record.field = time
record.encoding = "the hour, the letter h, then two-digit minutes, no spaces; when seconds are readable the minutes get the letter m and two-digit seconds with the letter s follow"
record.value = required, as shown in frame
9h31
